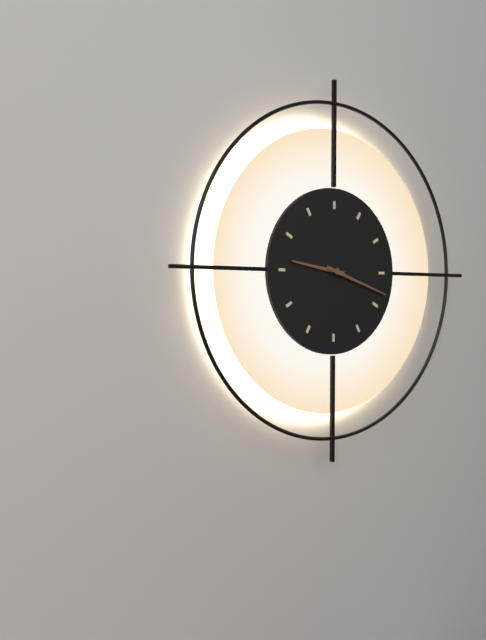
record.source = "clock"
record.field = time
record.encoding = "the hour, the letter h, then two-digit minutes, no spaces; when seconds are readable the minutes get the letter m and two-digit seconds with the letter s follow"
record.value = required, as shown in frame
9h18
